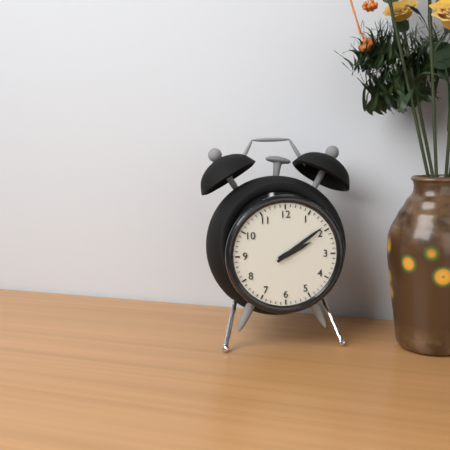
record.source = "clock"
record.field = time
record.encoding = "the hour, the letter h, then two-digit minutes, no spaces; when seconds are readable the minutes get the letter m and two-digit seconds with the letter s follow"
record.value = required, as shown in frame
2h09
